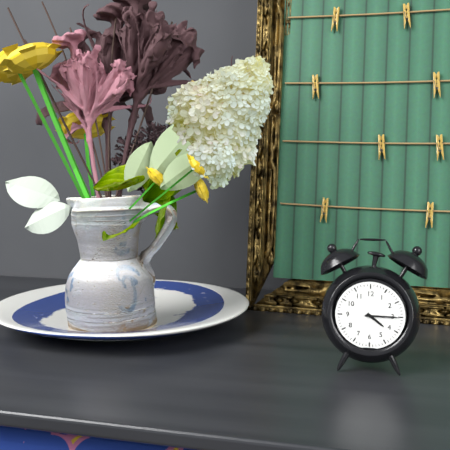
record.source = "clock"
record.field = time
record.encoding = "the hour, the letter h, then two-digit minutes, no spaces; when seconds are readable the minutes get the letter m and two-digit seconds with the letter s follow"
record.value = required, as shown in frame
4h15
